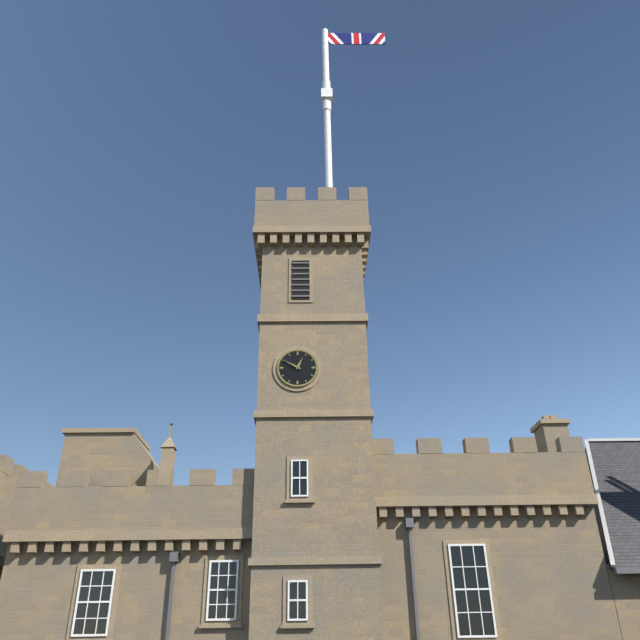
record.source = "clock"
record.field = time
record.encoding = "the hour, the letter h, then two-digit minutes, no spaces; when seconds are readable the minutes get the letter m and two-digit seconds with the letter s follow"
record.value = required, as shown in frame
12h50
